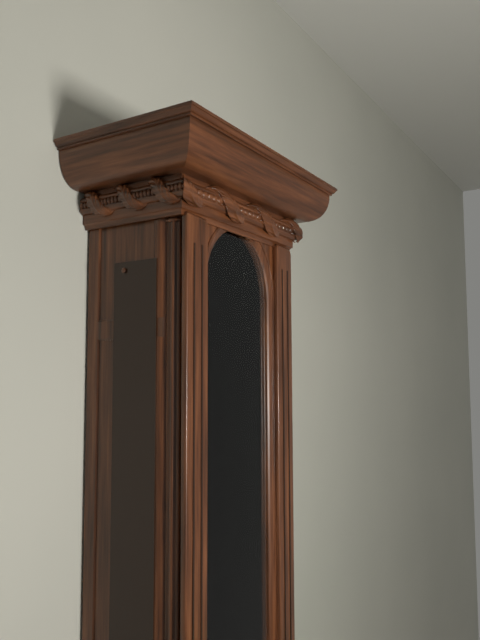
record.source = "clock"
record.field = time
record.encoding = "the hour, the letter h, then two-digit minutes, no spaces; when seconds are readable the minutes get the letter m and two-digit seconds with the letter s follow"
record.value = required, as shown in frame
5h32
